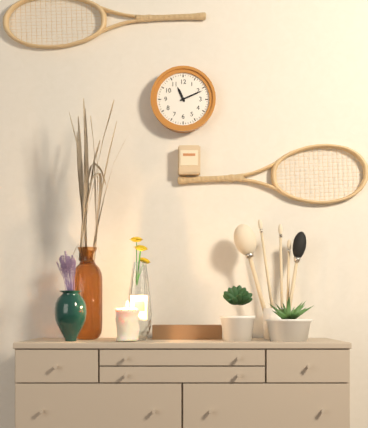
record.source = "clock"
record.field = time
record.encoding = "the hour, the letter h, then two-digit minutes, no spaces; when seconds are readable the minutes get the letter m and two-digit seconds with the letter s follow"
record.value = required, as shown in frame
11h11
